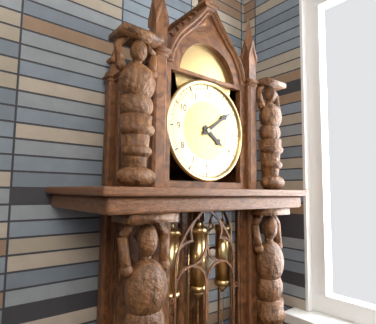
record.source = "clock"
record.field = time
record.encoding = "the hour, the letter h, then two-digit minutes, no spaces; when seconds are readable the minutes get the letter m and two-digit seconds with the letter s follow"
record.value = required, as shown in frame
4h09
